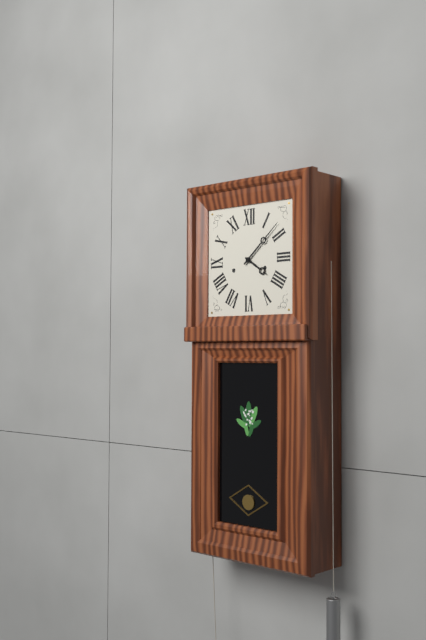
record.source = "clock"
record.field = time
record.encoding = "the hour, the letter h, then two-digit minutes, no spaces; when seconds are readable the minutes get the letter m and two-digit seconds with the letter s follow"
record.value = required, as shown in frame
4h08
